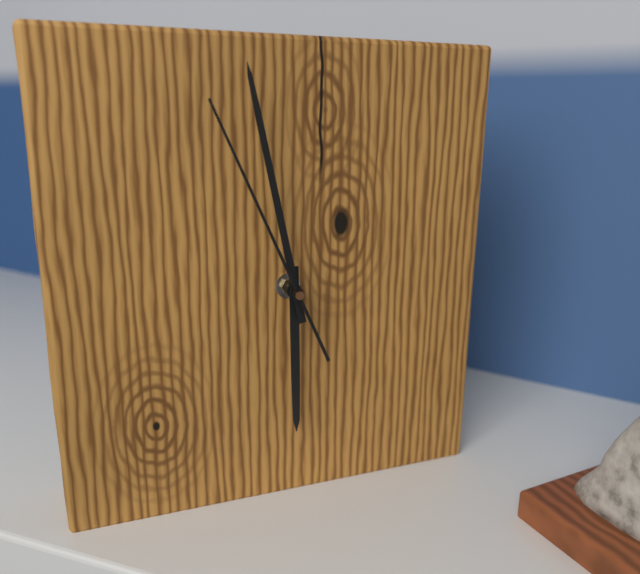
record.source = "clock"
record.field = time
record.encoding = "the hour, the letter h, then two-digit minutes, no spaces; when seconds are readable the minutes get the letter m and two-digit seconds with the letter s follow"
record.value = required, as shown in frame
5h58m56s
